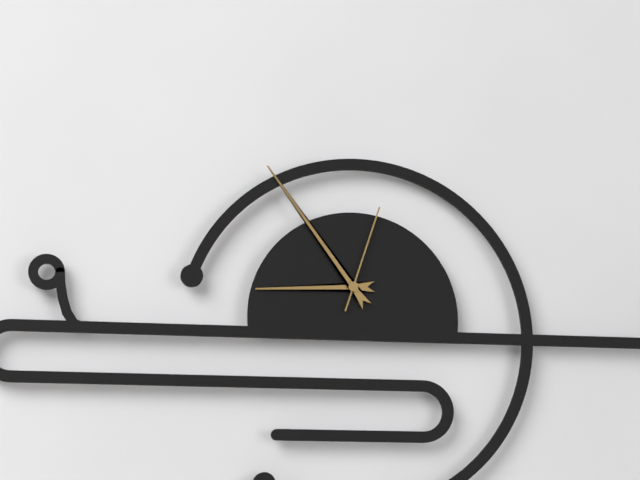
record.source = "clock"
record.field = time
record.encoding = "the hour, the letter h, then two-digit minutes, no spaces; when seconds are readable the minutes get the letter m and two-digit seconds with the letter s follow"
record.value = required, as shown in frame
8h54m03s
